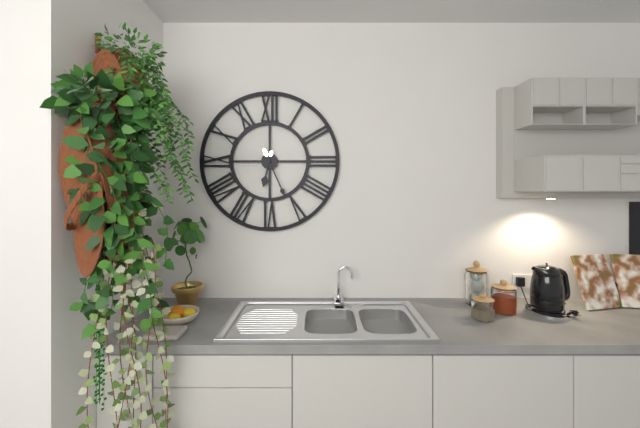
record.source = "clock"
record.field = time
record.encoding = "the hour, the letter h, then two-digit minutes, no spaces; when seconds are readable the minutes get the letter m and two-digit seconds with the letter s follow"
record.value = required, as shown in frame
6h26
